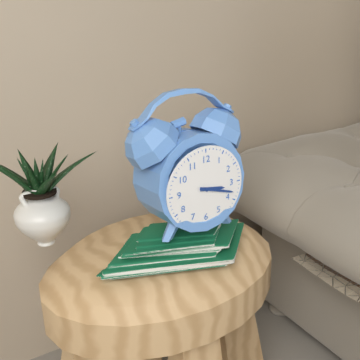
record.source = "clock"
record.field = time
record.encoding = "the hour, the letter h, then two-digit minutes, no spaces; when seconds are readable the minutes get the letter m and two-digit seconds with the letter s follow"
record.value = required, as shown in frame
3h18
